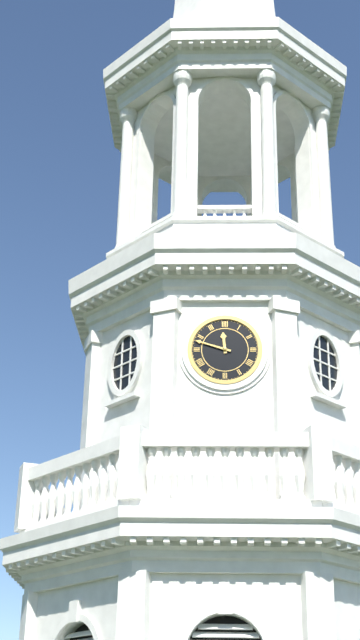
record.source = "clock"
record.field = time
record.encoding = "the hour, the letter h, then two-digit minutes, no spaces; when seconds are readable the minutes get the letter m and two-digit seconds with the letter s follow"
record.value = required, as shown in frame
11h48
